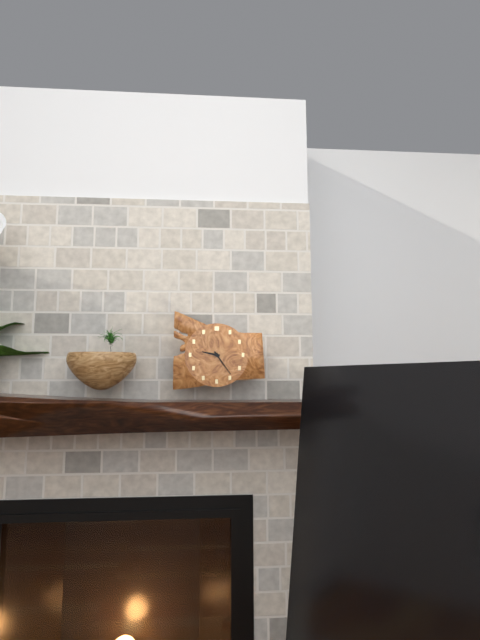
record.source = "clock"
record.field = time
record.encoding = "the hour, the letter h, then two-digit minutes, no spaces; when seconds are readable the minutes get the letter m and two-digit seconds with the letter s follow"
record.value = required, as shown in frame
9h24
